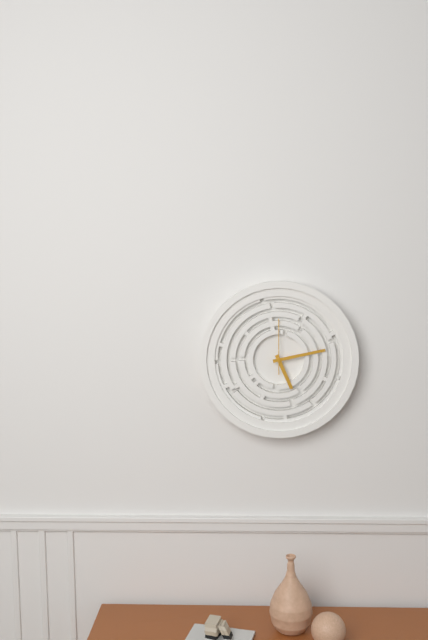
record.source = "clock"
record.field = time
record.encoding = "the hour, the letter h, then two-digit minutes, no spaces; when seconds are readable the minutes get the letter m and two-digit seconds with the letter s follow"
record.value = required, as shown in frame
5h13
